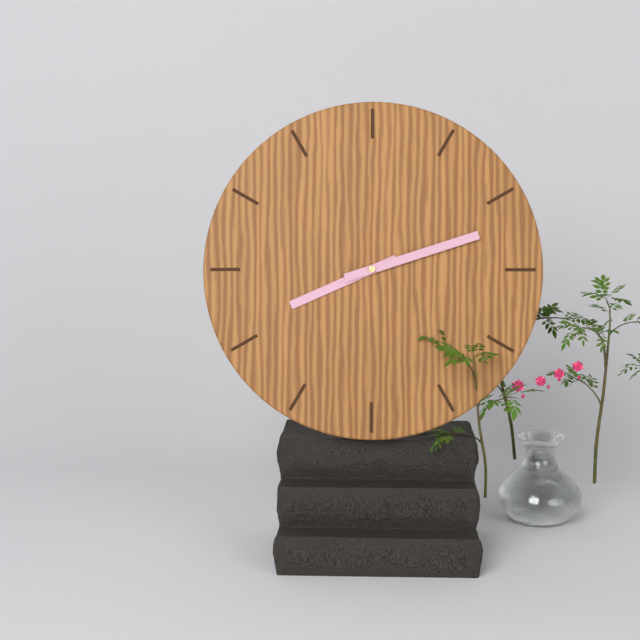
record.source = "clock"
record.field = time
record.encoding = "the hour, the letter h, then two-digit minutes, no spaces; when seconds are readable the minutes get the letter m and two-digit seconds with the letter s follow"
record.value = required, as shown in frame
8h12
